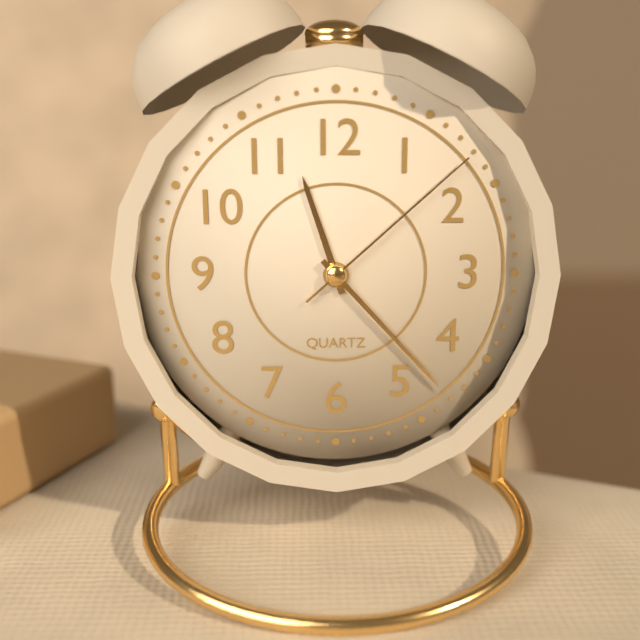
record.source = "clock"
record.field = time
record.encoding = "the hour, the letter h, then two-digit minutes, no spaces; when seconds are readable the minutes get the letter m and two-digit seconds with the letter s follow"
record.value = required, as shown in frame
11h23m08s
